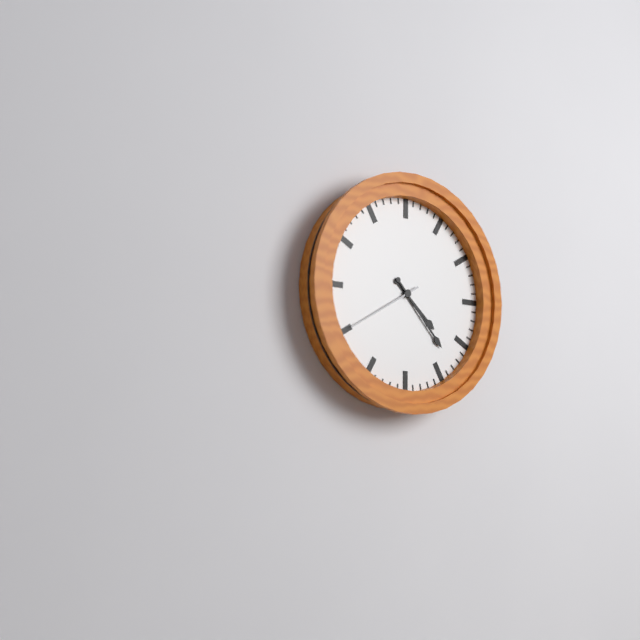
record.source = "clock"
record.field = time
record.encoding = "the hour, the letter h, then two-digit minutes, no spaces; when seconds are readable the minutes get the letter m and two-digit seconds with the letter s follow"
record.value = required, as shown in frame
4h23m40s
